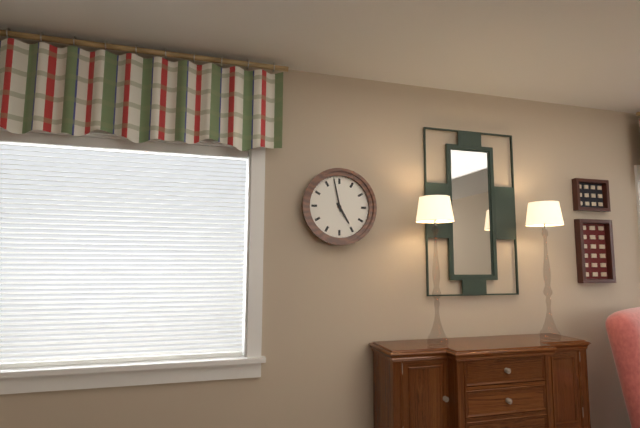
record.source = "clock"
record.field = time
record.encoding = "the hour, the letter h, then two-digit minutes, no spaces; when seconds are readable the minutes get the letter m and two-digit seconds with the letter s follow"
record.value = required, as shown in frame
4h58
